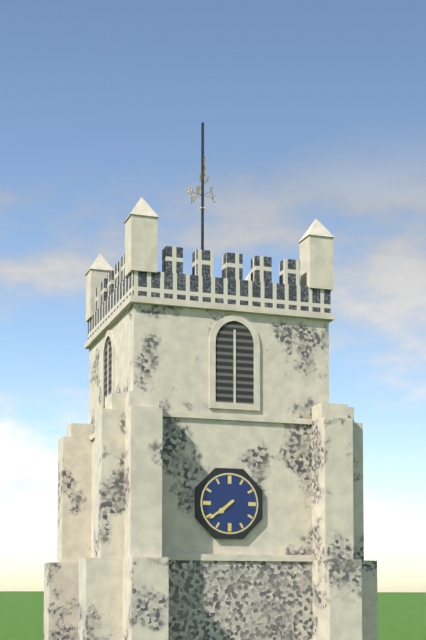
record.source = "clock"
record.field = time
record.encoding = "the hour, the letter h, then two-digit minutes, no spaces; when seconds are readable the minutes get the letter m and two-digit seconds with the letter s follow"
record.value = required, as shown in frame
7h39
